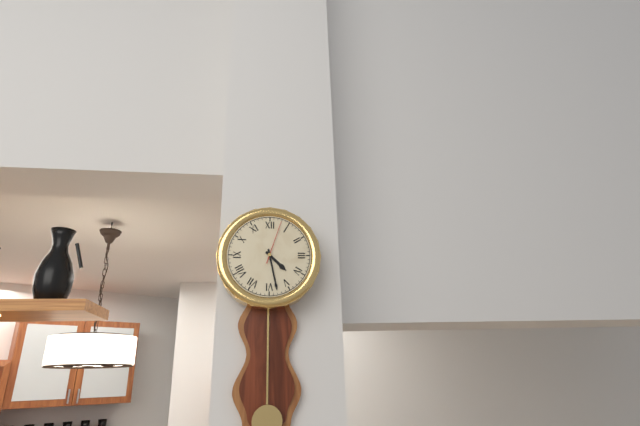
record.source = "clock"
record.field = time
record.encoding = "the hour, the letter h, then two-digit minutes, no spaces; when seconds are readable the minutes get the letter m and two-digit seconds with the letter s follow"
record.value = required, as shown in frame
4h28
